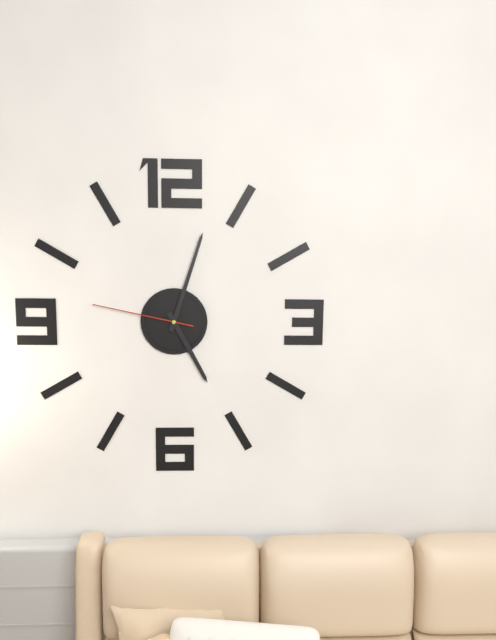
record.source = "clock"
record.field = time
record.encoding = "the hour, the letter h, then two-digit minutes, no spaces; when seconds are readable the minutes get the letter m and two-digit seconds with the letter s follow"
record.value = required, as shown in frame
5h03m47s
